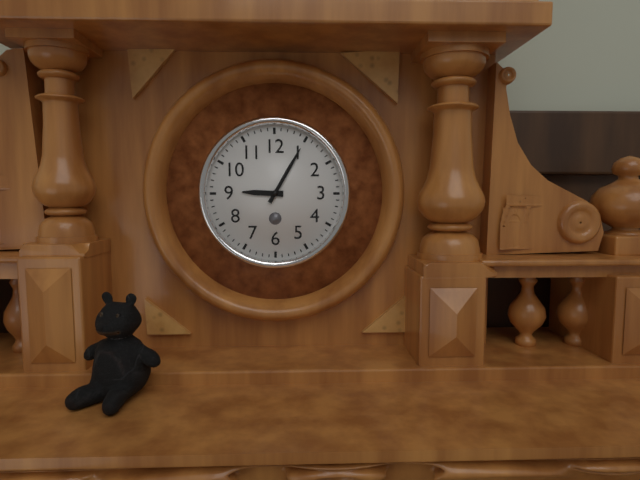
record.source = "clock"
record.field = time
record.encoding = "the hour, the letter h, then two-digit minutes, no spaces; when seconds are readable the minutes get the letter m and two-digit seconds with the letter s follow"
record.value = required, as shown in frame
9h05
